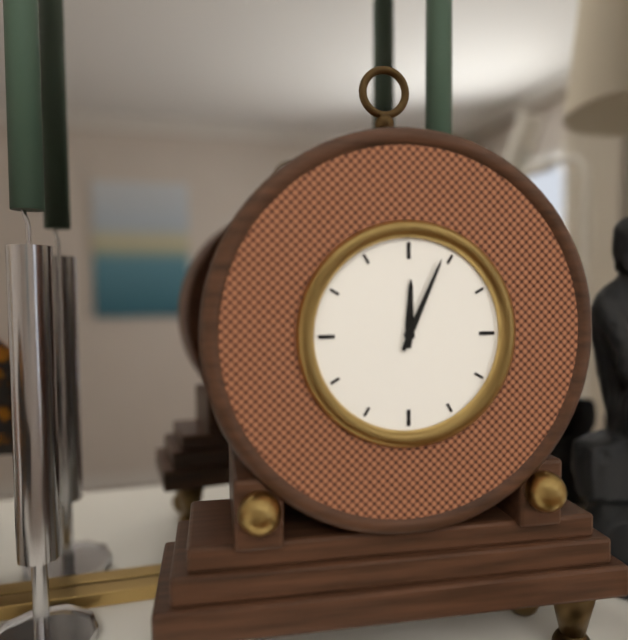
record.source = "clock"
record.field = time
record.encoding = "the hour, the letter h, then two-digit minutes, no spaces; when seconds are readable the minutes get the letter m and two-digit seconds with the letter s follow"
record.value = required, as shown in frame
12h04
